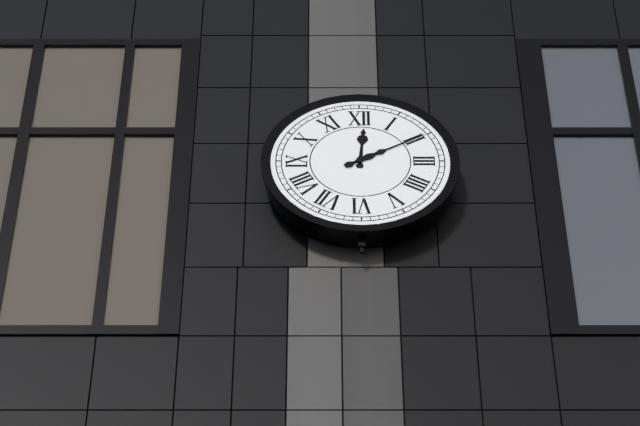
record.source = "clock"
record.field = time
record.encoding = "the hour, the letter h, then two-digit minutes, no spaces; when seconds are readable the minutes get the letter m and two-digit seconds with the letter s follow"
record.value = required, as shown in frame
12h10
